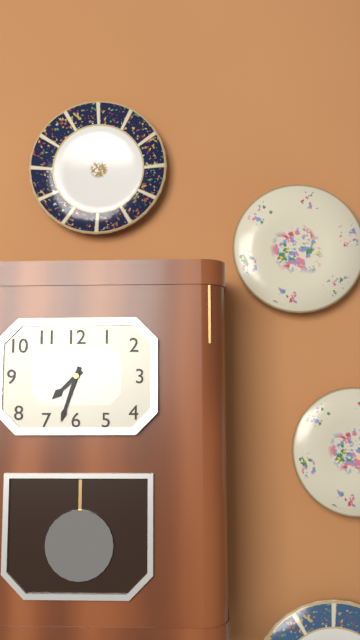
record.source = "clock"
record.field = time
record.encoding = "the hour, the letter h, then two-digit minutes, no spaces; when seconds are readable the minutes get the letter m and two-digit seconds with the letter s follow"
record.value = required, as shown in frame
7h33
